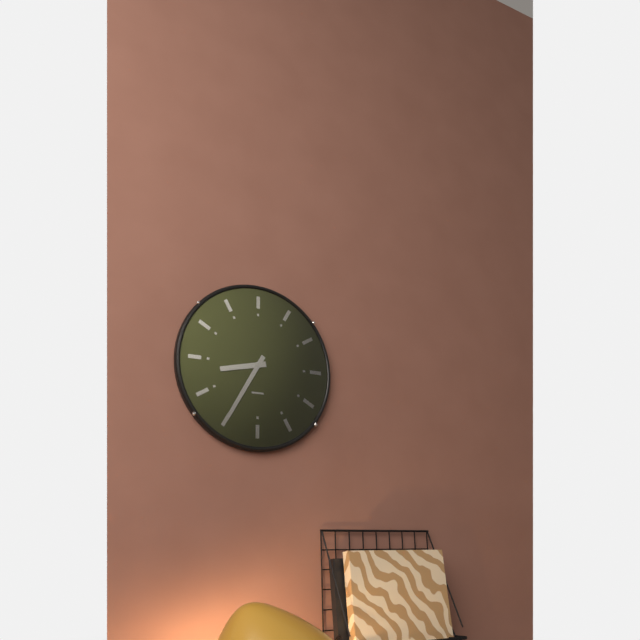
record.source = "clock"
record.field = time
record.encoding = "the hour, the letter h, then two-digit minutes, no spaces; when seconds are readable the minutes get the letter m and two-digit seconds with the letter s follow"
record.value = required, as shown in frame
8h35
